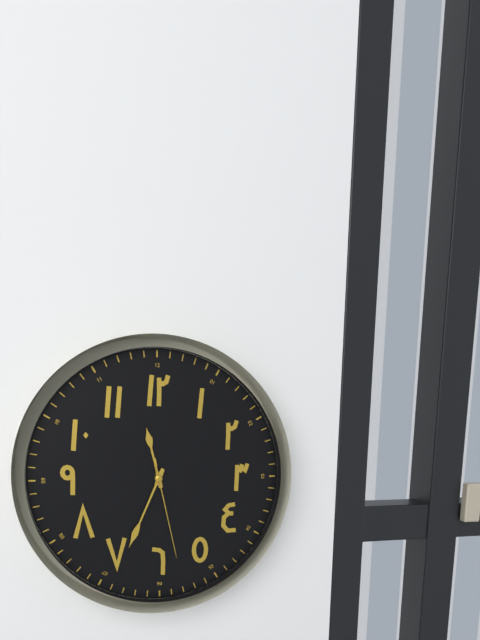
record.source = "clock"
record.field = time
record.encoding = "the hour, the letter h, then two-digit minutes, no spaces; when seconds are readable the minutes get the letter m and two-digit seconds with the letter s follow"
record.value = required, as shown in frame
11h34m28s
